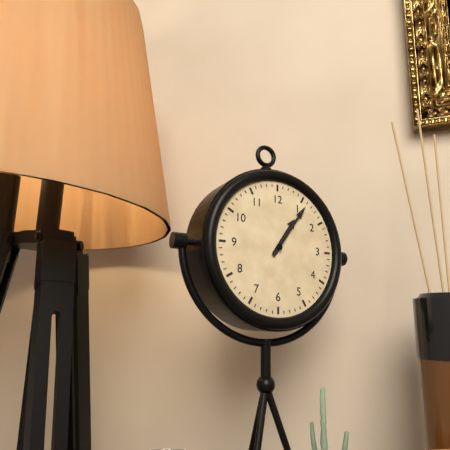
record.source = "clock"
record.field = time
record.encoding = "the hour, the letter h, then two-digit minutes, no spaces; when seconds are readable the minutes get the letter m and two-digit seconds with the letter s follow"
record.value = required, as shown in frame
1h06
